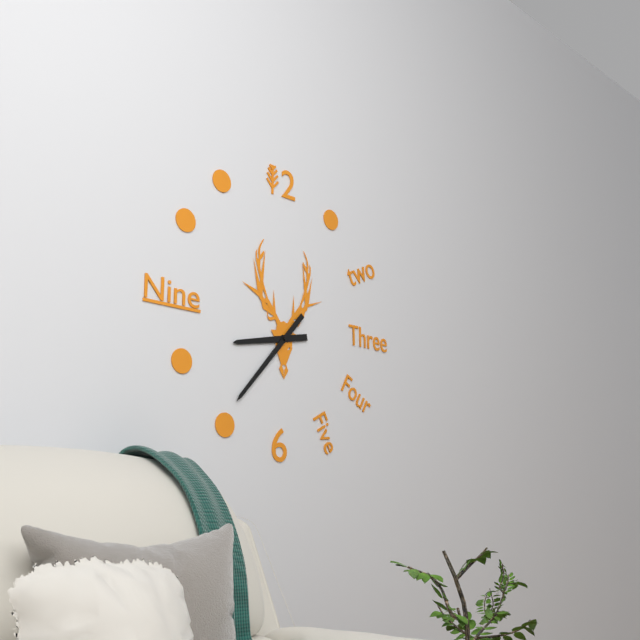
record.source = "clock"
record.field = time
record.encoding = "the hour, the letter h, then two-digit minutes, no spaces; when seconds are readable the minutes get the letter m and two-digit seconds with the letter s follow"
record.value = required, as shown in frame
8h37
